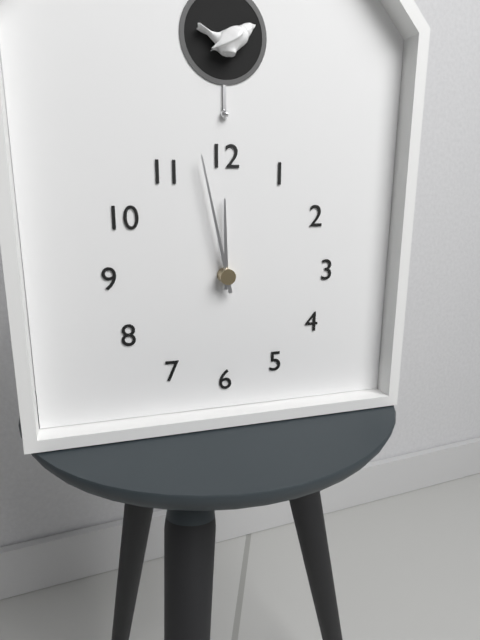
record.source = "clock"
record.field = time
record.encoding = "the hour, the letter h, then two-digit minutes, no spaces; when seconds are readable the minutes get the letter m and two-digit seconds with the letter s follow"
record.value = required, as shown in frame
11h58
